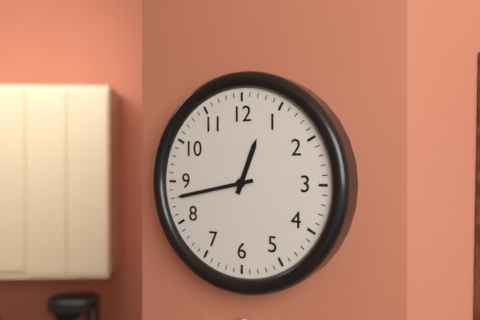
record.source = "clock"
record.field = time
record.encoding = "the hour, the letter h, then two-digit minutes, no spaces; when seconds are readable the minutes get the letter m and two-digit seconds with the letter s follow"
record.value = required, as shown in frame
12h43
